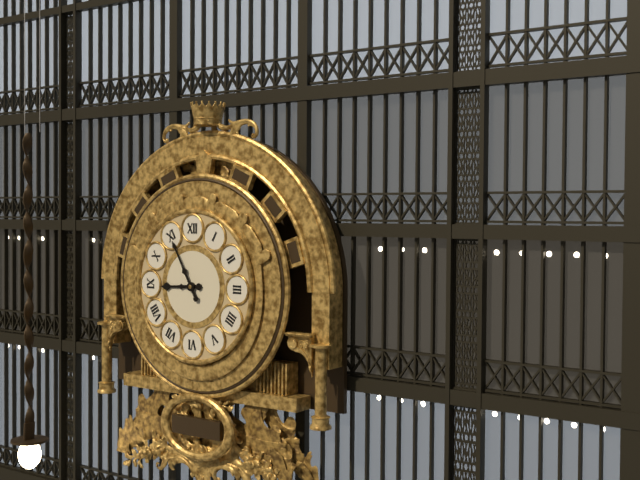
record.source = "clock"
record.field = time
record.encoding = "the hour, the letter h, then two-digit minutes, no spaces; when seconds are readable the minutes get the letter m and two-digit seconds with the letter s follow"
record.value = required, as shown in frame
8h55
